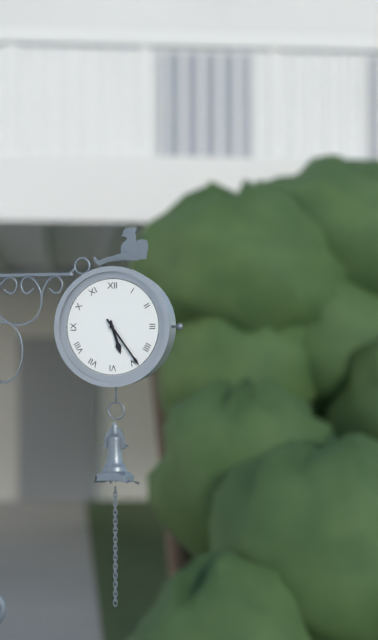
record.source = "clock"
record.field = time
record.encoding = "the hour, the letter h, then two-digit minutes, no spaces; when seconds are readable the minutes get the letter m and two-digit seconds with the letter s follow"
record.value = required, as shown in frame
5h24
